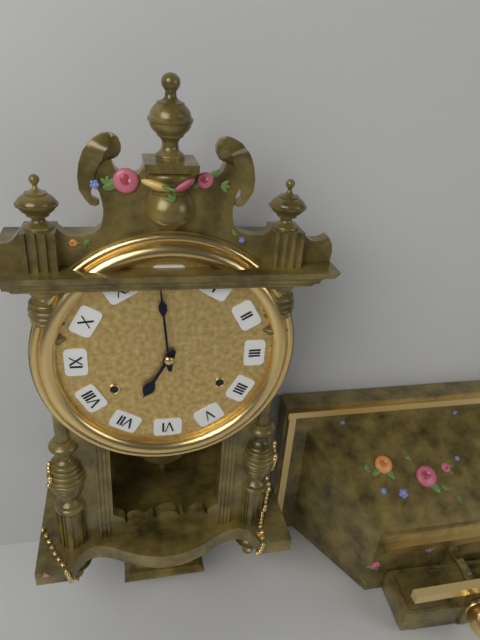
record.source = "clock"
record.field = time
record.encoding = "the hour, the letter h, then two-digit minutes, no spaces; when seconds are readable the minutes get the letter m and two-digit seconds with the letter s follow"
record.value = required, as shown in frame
6h59
